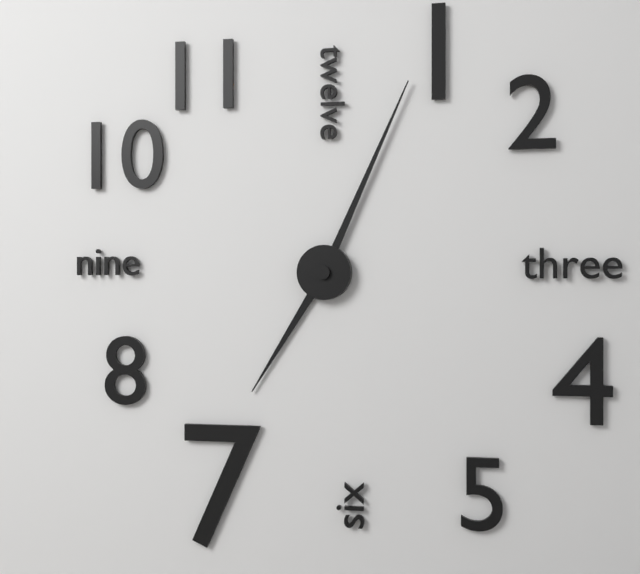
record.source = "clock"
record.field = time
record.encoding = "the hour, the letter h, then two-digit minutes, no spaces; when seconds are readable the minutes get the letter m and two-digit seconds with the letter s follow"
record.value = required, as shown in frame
7h04
